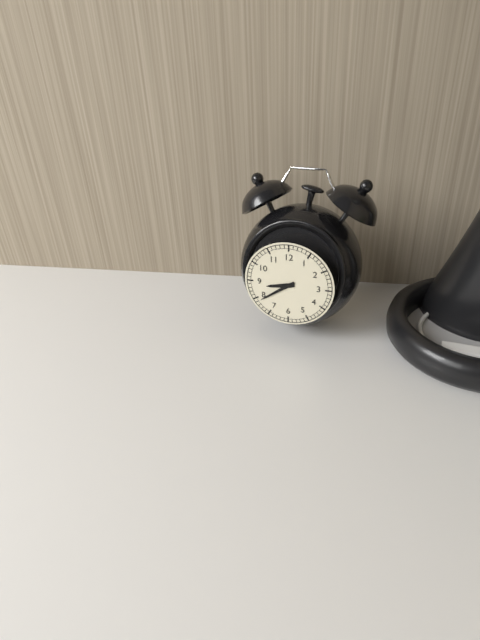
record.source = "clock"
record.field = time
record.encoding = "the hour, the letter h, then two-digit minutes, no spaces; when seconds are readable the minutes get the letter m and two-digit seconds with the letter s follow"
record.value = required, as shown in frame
8h39
